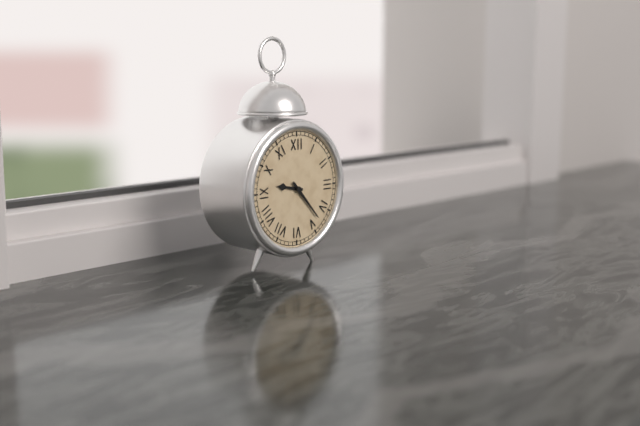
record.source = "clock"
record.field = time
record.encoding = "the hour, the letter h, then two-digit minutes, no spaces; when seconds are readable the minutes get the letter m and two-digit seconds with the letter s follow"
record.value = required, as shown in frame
9h23
